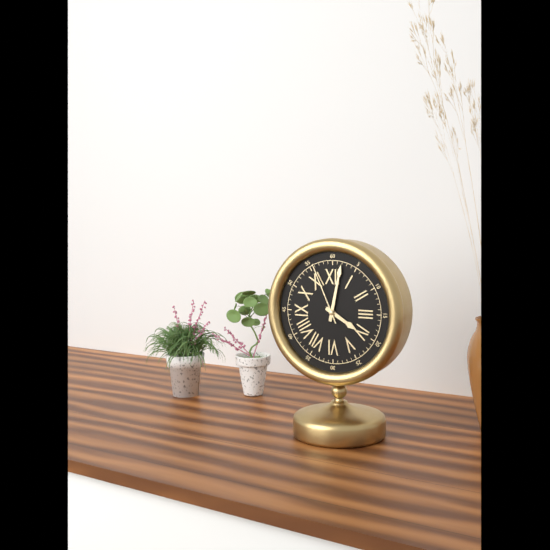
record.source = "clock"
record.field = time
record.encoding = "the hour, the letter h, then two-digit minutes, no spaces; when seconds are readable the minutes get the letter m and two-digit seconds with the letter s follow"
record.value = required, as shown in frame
4h02m56s
